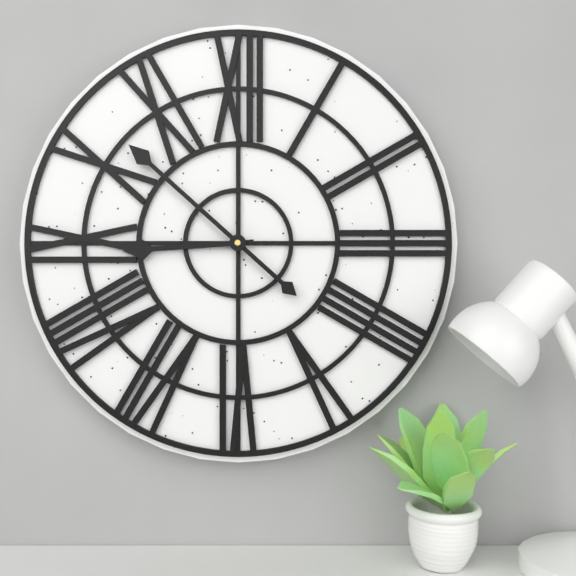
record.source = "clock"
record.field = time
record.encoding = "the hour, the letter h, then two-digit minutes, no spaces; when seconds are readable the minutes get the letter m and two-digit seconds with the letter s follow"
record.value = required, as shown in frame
8h52
